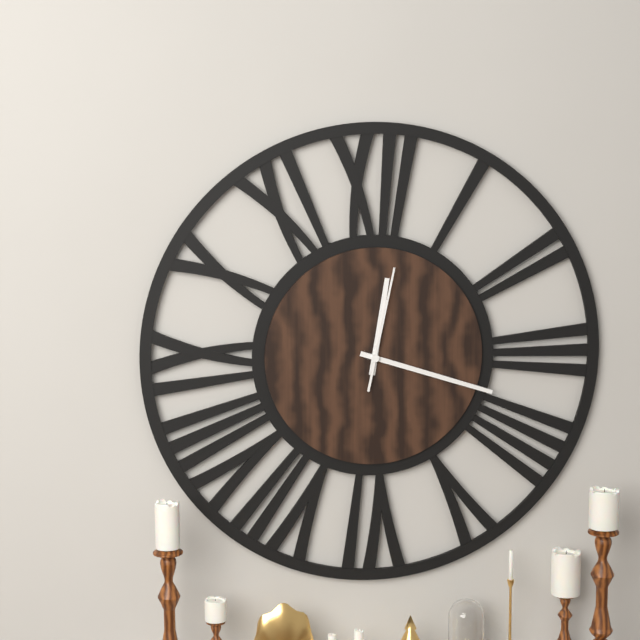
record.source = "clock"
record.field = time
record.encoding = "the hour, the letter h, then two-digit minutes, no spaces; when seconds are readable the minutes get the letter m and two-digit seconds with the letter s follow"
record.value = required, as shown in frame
12h18m02s
